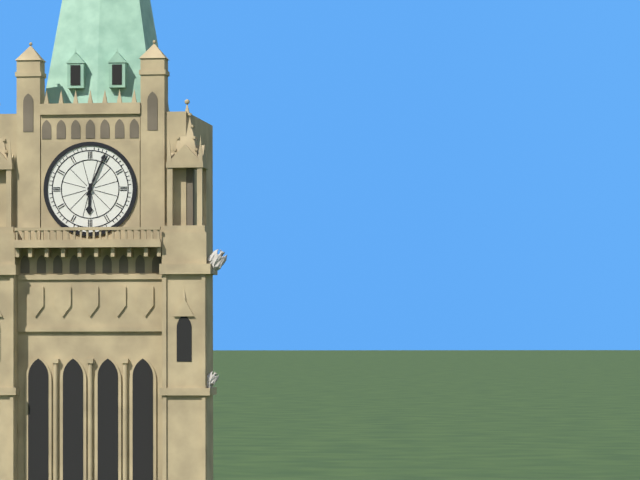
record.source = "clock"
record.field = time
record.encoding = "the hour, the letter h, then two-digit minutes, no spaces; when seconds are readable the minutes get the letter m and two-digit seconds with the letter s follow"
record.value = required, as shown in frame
6h04
